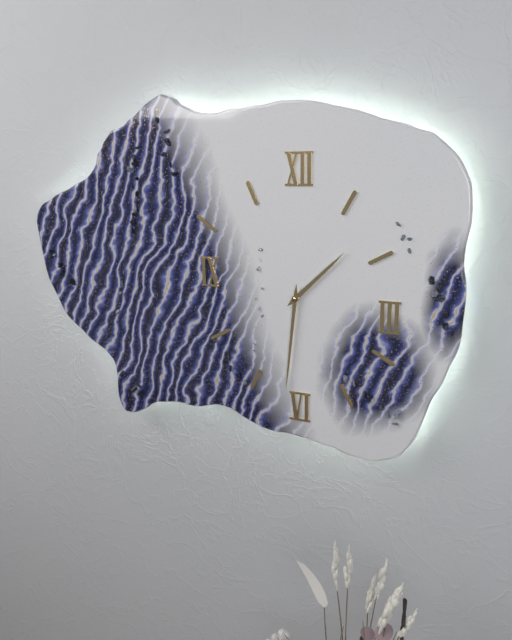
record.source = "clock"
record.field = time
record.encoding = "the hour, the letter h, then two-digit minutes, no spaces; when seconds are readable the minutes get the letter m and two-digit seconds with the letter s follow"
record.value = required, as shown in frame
1h31
